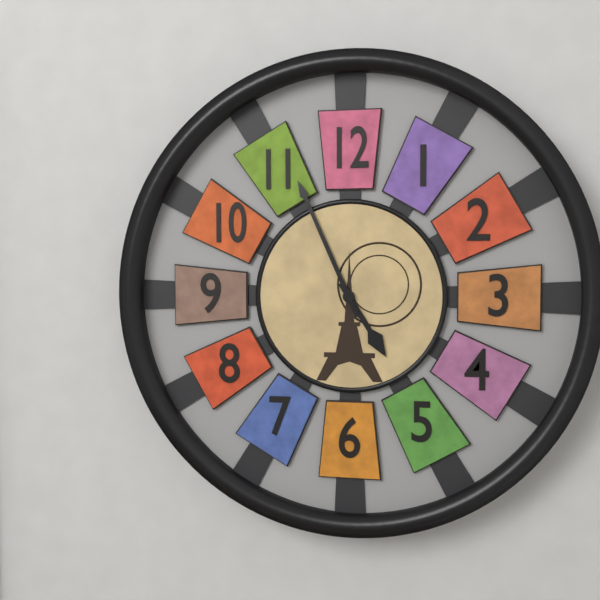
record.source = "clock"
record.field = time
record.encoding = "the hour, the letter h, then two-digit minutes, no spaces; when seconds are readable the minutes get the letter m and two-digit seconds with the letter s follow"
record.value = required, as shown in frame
4h56
